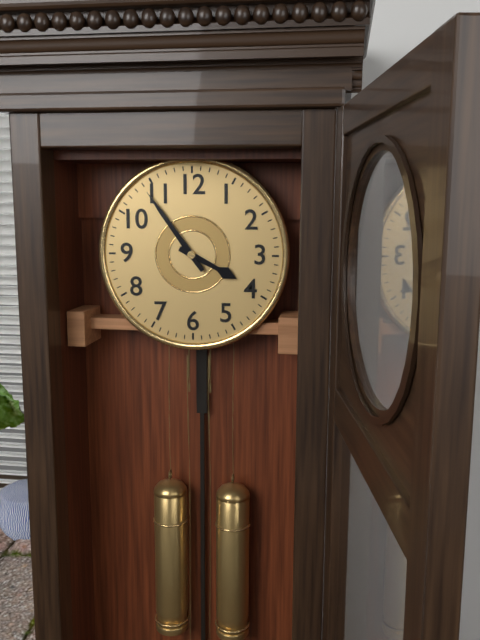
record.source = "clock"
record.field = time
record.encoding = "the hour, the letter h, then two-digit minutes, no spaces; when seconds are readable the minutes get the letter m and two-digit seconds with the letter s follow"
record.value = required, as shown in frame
3h54
